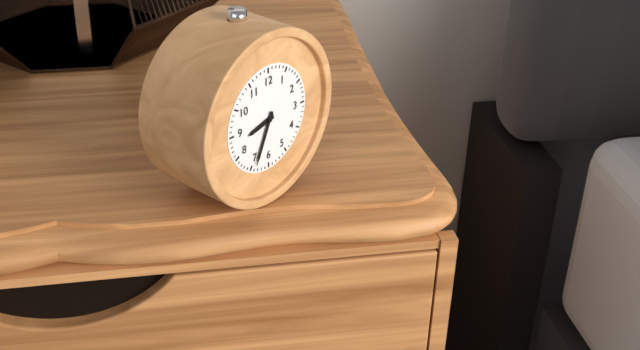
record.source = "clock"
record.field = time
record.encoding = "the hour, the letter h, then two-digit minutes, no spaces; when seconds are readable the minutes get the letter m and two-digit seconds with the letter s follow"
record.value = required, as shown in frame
8h34
